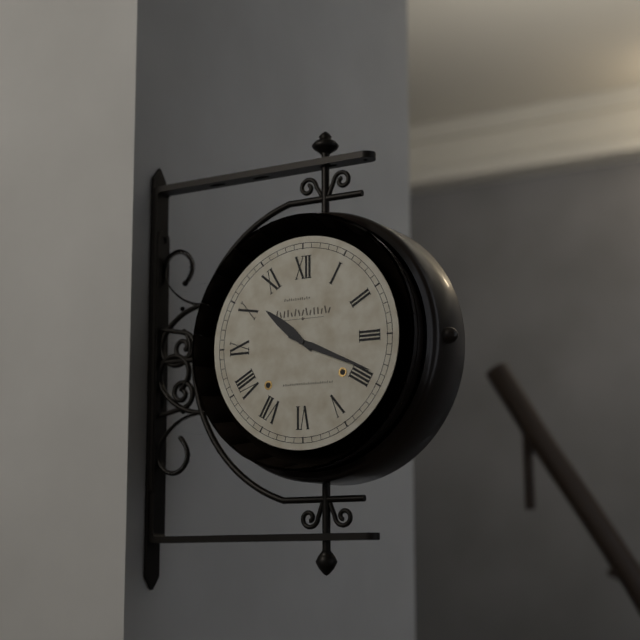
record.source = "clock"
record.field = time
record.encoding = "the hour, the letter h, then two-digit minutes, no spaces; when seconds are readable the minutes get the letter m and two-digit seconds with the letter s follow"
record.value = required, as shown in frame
10h19
